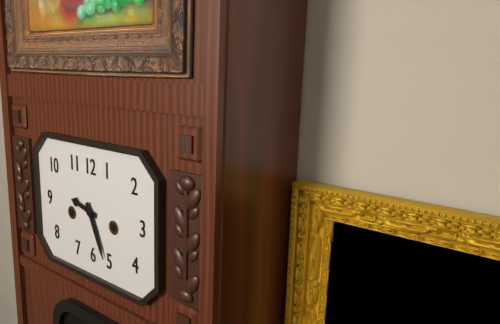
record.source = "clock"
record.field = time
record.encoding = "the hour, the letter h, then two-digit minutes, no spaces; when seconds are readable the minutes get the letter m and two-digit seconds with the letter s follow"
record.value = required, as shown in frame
9h26
